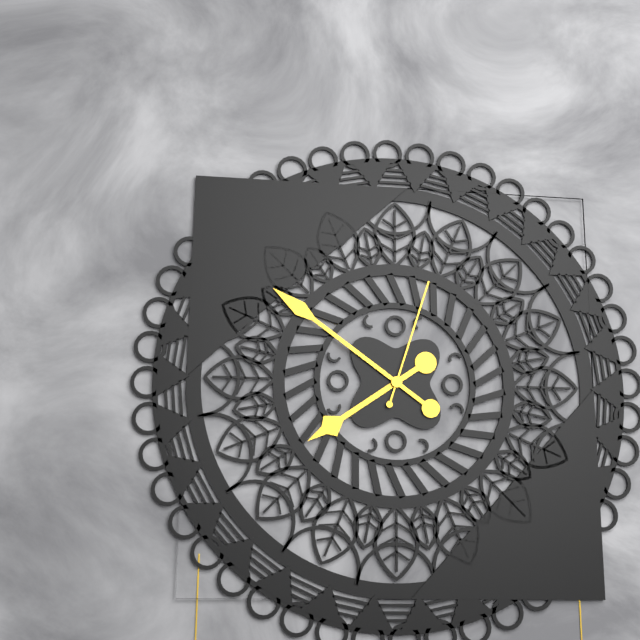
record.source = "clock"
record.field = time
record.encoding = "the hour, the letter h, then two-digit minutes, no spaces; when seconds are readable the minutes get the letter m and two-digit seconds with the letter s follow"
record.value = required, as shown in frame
7h51m03s
